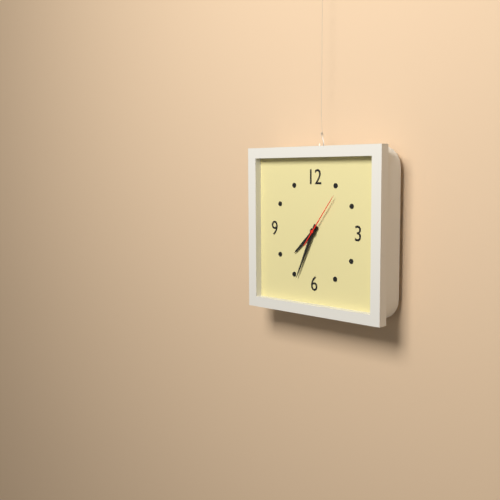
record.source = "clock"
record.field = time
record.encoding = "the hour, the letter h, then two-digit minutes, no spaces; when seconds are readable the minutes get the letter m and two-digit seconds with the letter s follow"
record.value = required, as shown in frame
7h34m06s
